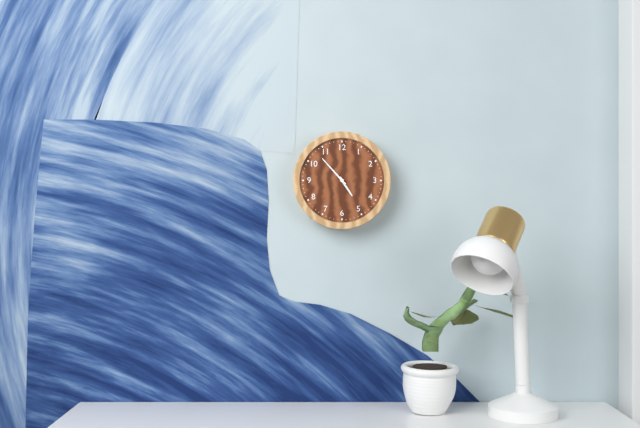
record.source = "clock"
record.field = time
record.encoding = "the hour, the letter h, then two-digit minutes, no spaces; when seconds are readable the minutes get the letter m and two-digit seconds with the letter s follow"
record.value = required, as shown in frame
4h53
